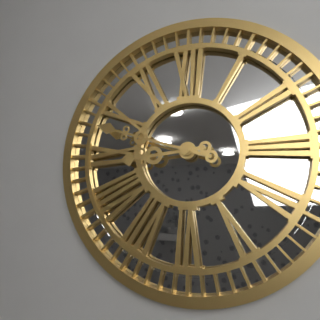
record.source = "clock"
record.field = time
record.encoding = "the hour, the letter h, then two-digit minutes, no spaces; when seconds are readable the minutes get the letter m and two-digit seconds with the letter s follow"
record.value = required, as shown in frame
8h48
